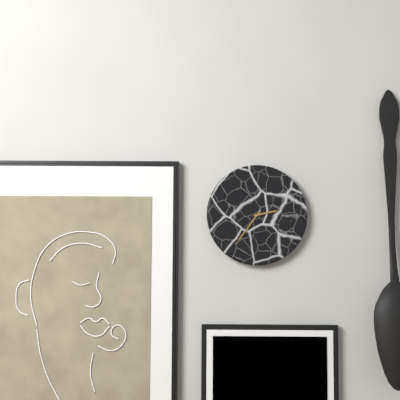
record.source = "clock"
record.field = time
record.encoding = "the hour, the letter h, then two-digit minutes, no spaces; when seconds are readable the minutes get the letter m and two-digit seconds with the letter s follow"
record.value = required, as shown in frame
2h36
